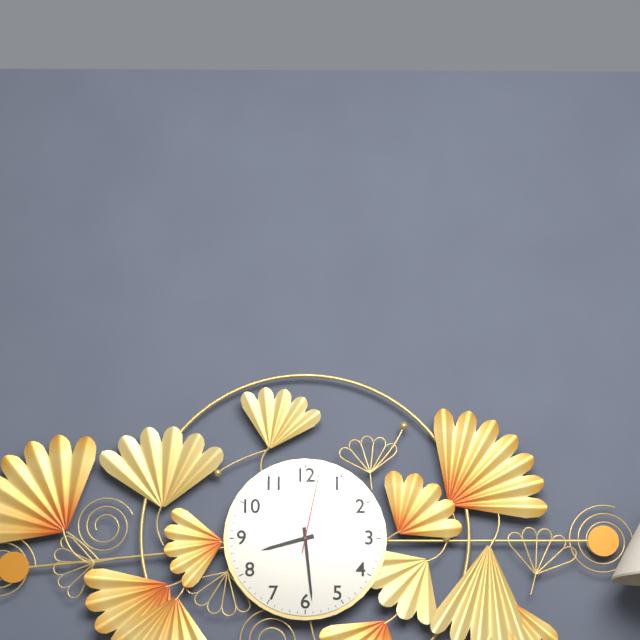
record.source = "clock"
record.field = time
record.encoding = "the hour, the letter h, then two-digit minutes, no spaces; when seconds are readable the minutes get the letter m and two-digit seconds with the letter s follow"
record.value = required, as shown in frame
8h29m02s
